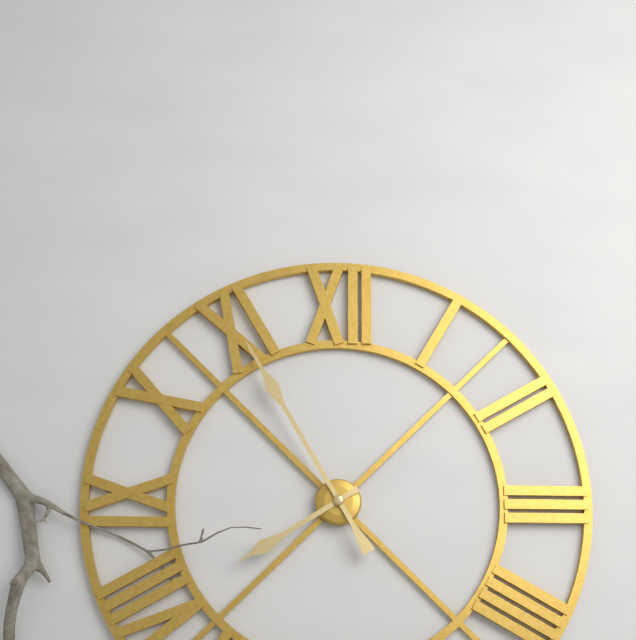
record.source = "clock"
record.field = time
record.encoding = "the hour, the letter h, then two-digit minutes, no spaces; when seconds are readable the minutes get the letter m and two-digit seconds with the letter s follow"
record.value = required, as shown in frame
7h55
